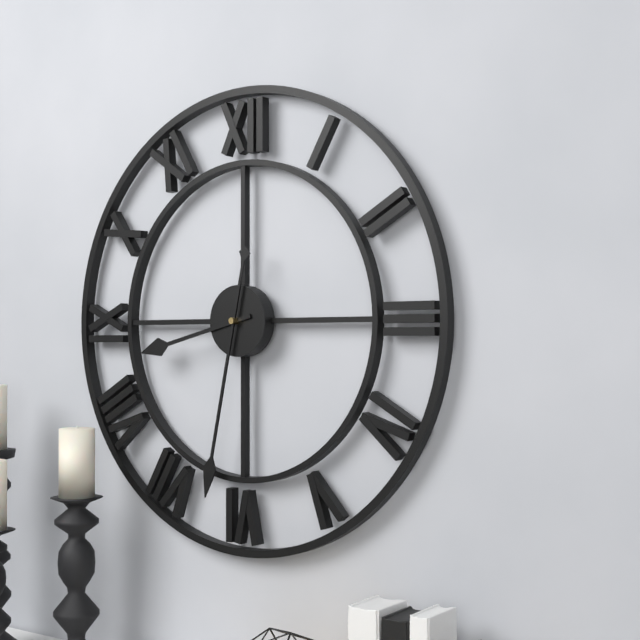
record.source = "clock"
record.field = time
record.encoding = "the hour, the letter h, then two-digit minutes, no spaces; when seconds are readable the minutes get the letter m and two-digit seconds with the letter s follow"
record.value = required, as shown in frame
8h32
